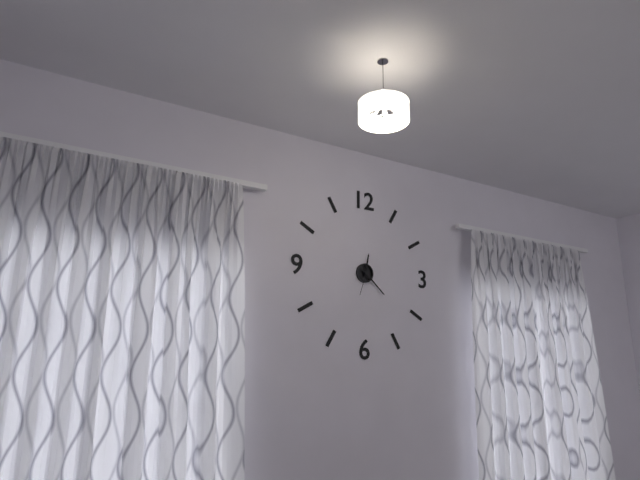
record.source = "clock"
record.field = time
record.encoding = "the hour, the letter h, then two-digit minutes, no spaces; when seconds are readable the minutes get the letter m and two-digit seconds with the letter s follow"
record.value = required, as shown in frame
12h22
